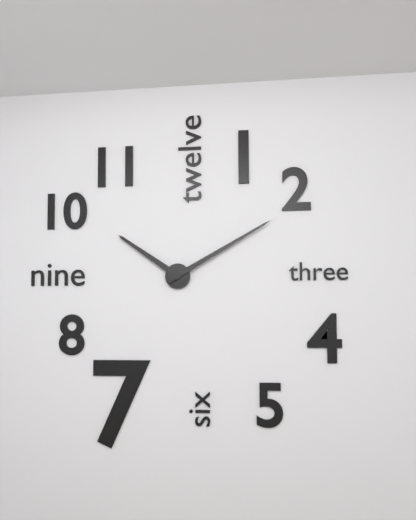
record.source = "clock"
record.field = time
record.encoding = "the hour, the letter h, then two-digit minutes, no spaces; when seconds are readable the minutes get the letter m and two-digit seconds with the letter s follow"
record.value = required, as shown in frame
10h10
